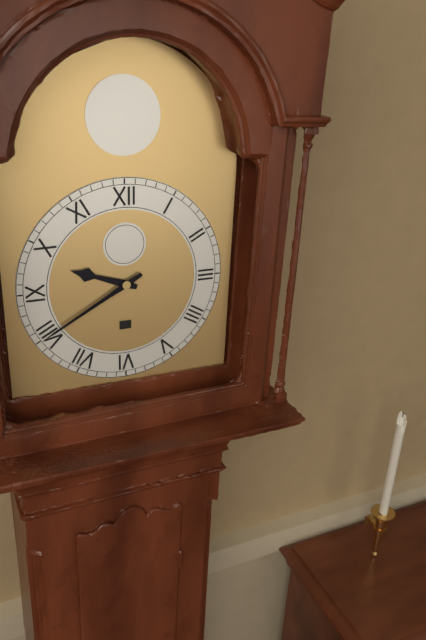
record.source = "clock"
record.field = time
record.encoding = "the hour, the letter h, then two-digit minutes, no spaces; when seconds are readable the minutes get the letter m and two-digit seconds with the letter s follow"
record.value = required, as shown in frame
9h40
